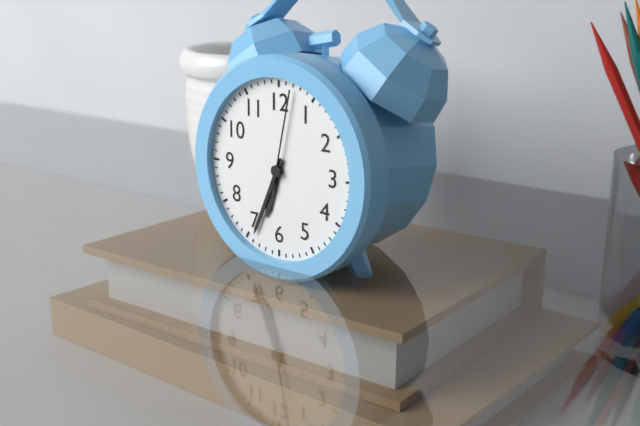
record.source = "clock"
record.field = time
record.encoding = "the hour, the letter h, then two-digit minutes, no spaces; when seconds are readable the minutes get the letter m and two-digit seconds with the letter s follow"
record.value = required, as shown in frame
6h34m02s
